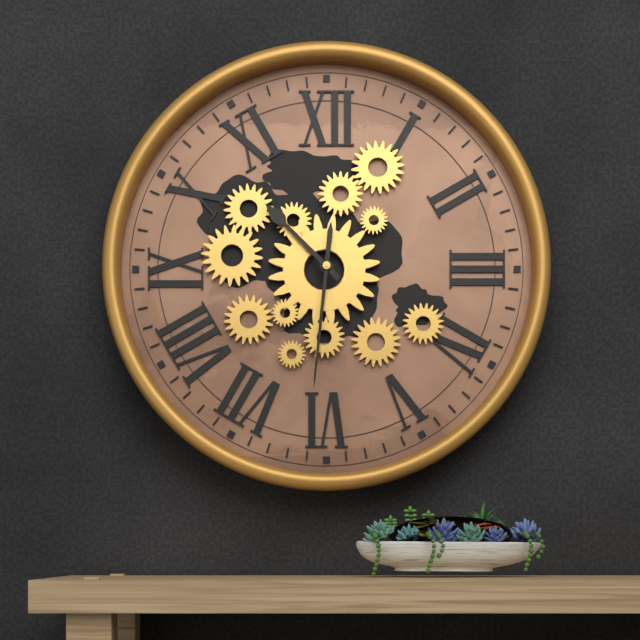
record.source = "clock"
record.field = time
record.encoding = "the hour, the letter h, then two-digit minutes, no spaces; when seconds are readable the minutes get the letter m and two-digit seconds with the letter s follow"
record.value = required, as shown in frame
10h31
